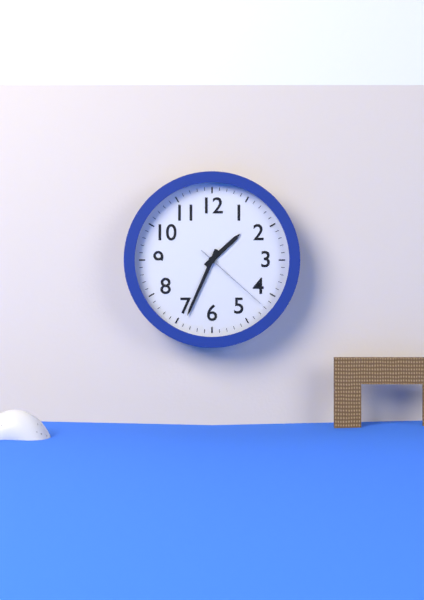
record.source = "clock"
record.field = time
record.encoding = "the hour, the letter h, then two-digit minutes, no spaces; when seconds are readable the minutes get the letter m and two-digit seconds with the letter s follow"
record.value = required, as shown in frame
1h34m22s
